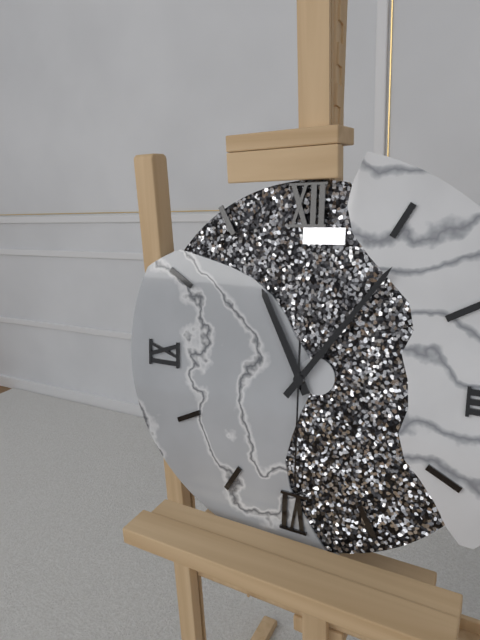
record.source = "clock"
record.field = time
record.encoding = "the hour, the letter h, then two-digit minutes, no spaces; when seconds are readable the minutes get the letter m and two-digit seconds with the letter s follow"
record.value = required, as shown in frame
11h06m30s
